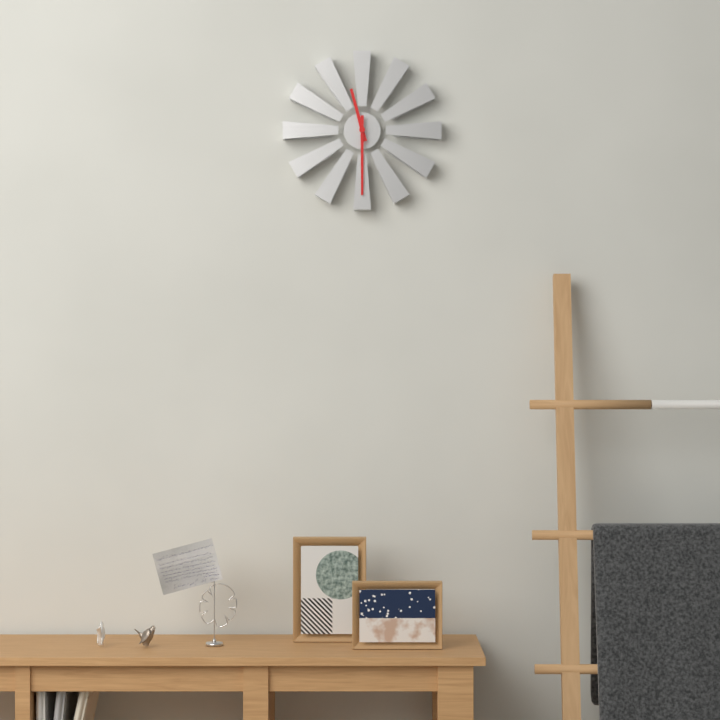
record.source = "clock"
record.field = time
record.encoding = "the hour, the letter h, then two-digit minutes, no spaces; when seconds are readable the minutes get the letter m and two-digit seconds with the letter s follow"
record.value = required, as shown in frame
11h30
